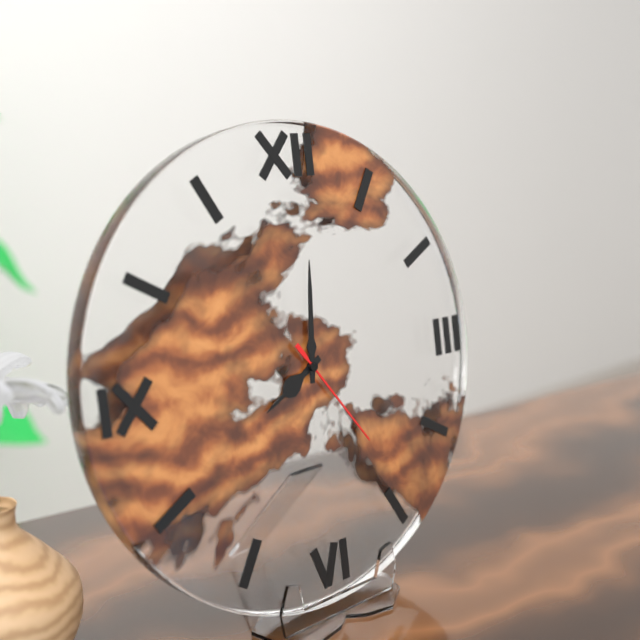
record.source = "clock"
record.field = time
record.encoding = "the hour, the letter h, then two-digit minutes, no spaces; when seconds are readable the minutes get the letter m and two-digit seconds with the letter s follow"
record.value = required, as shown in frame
8h01m24s
